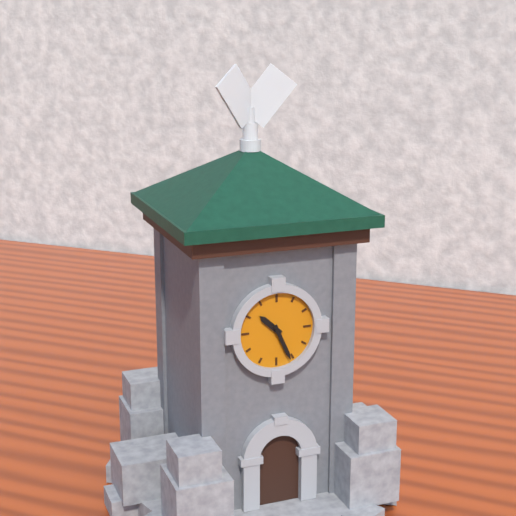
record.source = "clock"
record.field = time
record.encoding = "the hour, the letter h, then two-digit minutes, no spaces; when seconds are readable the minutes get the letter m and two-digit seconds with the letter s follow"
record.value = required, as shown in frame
10h26
